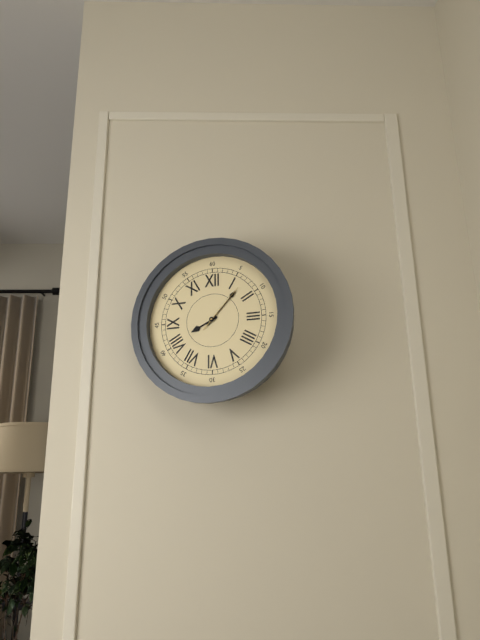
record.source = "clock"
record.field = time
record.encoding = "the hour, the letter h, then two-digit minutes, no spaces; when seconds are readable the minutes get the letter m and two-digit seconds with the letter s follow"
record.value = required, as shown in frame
8h07m07s
